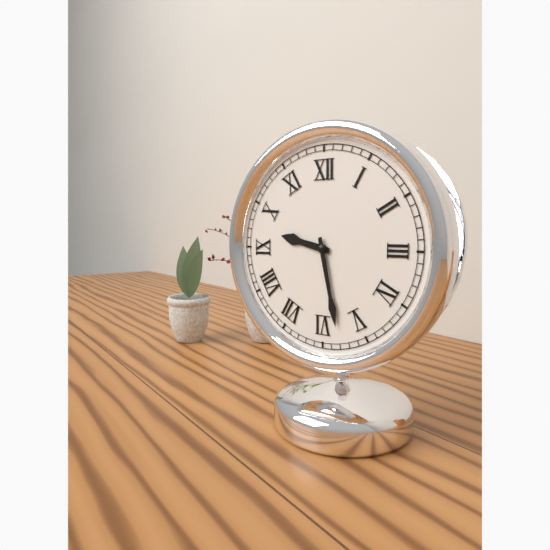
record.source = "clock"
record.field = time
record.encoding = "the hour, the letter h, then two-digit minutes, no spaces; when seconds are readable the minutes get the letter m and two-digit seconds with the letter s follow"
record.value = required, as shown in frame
9h28
